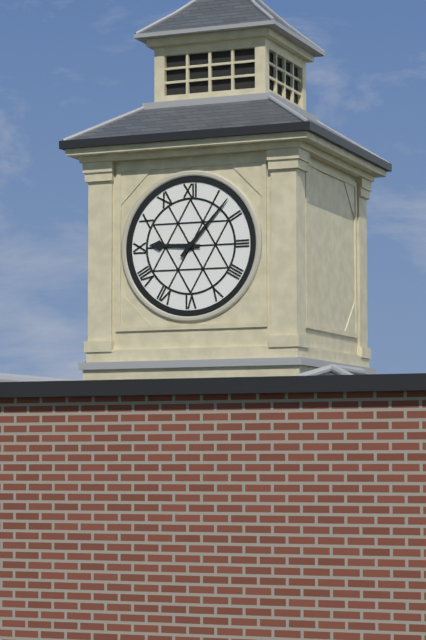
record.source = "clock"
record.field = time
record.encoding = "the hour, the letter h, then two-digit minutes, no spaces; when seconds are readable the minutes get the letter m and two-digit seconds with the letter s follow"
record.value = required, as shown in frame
9h07
